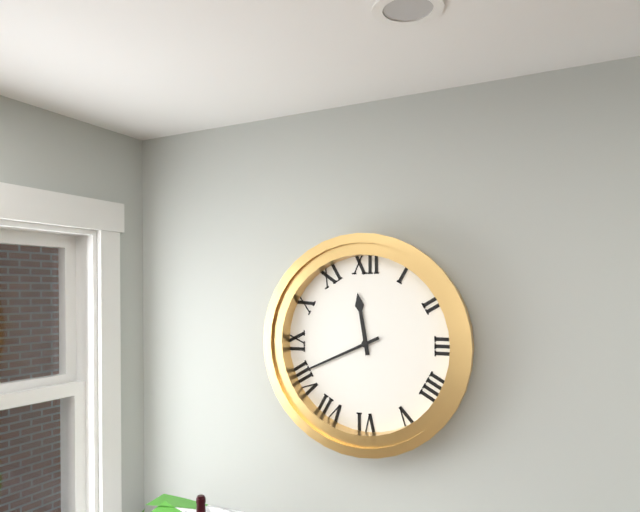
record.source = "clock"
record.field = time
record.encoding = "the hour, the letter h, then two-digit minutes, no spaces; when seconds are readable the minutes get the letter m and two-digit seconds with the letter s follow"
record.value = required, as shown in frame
11h41
